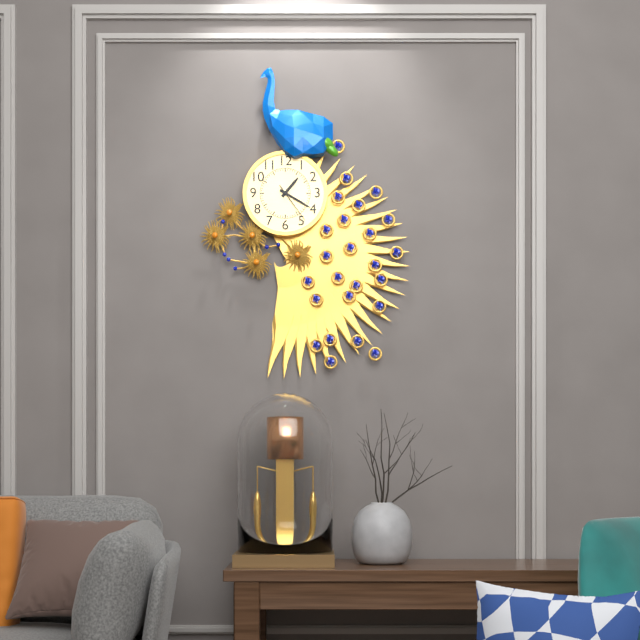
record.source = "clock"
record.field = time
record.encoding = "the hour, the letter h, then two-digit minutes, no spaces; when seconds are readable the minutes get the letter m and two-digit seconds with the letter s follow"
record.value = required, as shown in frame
1h20
